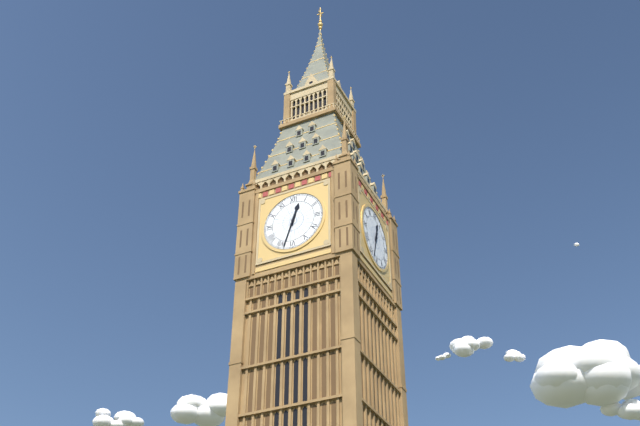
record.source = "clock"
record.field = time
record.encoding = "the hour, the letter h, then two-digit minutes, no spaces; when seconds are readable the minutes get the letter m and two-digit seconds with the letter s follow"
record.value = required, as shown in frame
12h33
